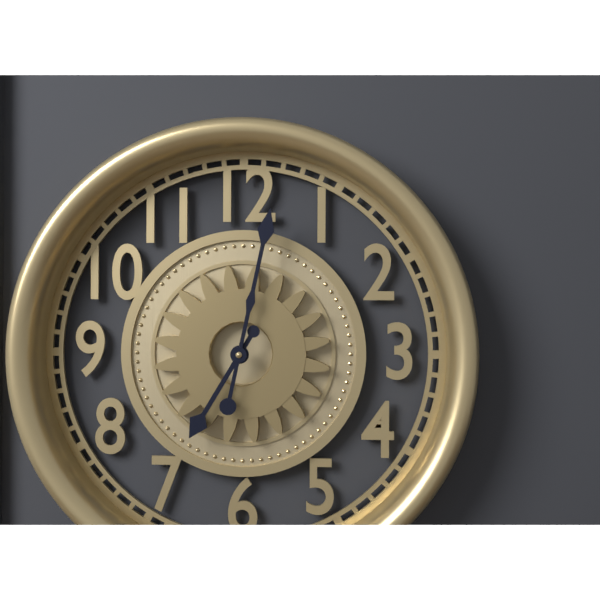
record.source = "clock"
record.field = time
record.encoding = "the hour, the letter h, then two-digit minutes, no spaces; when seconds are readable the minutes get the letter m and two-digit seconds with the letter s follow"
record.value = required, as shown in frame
7h02
